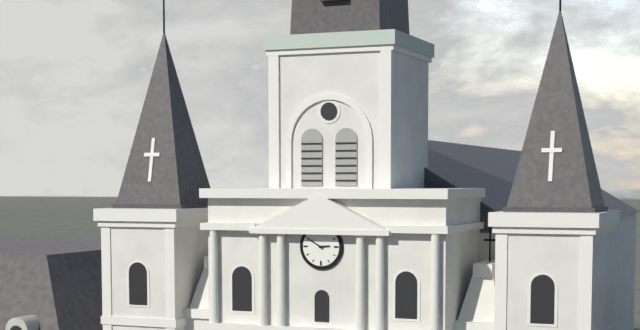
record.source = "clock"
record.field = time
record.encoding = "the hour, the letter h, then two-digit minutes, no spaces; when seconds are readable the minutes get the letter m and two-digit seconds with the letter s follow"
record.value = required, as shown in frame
2h50
